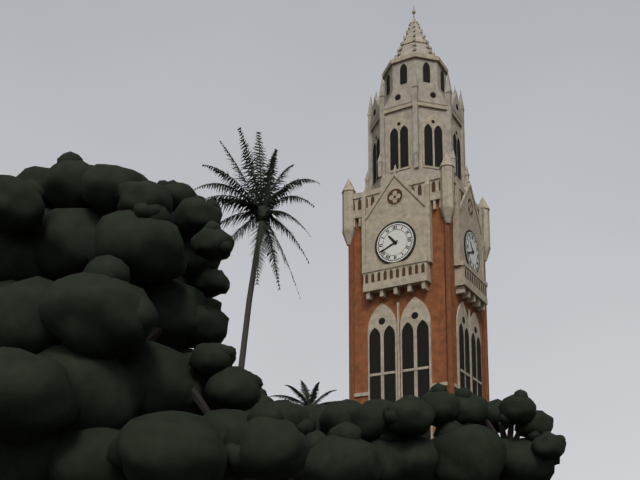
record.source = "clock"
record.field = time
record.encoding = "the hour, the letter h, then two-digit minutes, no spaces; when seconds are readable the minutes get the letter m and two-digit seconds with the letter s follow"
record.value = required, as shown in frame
10h41
